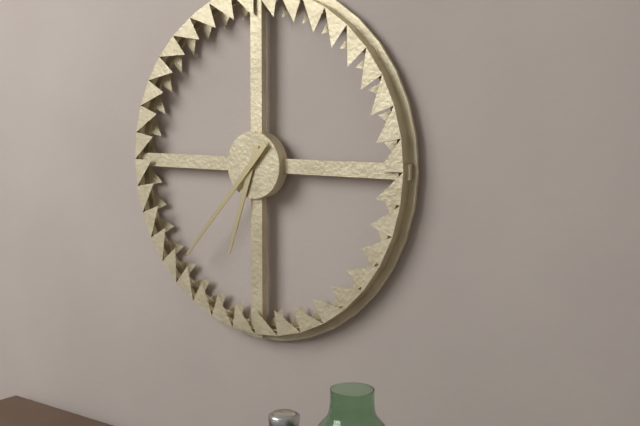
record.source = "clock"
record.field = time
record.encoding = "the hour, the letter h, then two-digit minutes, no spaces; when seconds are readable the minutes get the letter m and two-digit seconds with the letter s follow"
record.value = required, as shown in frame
6h37
